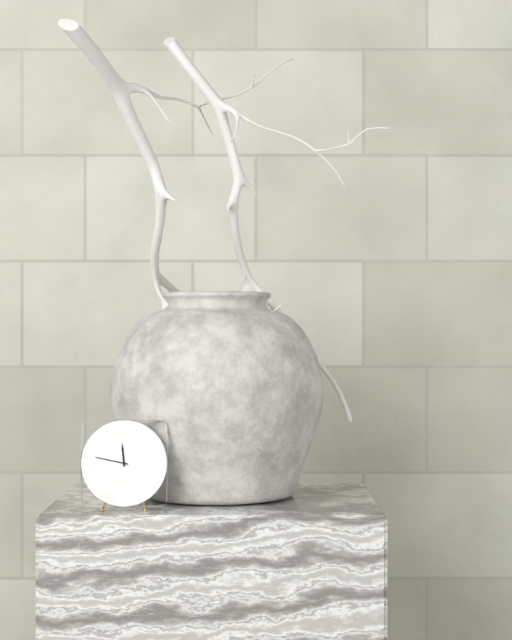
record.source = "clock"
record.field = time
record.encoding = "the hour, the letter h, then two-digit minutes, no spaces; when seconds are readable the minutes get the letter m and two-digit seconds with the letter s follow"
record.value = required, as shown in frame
11h47
